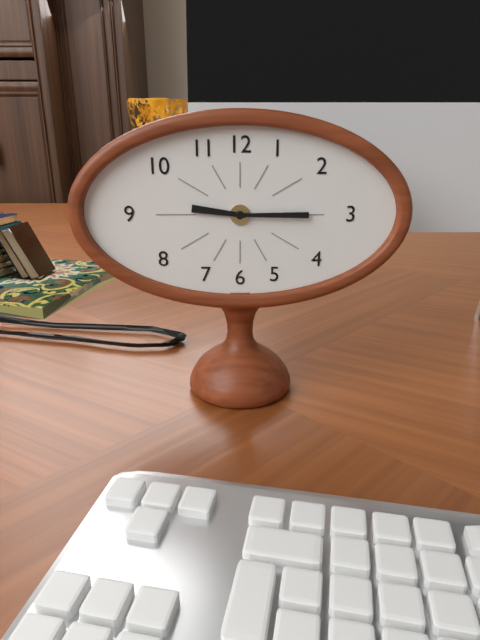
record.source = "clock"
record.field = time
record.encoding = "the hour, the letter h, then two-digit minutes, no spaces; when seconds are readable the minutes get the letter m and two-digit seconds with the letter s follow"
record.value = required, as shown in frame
9h15
